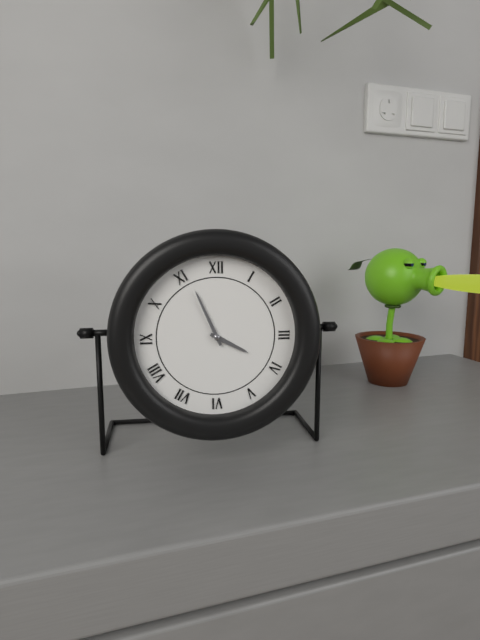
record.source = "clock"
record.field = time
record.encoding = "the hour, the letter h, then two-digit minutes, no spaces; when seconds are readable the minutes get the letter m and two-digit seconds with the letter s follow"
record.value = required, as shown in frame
3h56
